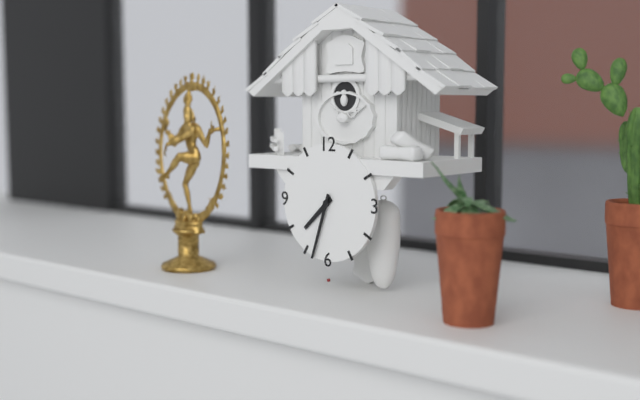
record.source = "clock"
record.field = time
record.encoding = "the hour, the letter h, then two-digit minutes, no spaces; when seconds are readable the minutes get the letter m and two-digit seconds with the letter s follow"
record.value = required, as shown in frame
7h33
